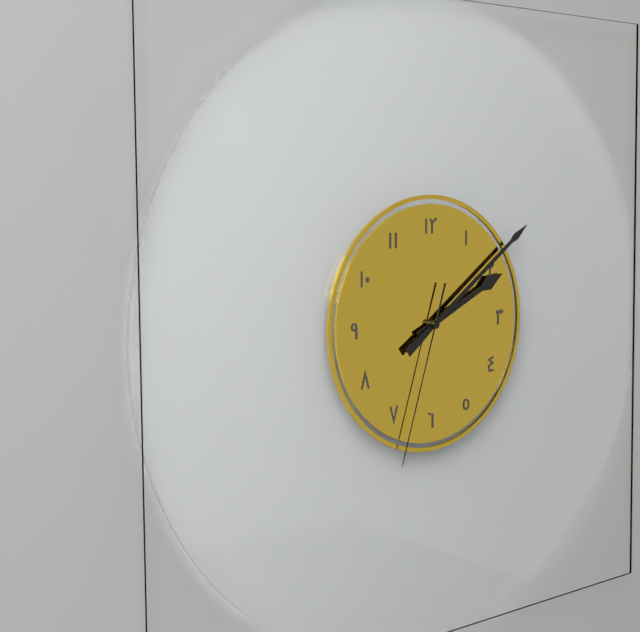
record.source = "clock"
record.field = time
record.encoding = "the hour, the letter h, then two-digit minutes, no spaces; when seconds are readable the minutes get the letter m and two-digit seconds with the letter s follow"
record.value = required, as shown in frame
2h09m33s
